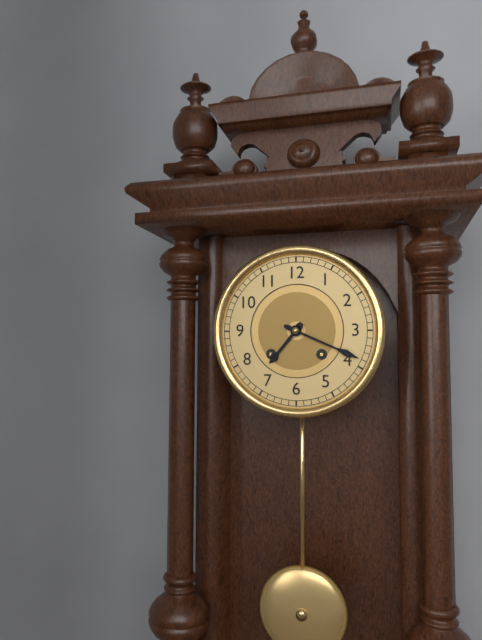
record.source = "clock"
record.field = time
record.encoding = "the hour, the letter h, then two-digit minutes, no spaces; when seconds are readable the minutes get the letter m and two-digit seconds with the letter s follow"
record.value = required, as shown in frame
7h19
